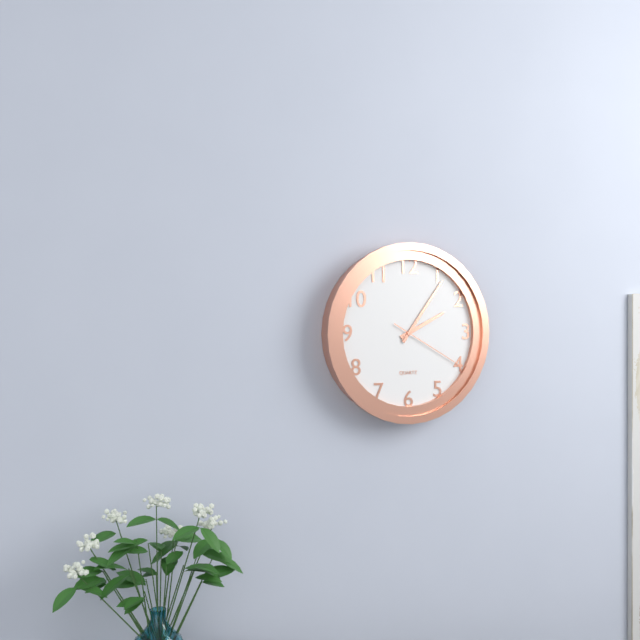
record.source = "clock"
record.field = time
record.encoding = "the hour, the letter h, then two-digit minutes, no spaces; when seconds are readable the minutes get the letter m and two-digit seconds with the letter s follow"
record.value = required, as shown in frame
2h06m20s
